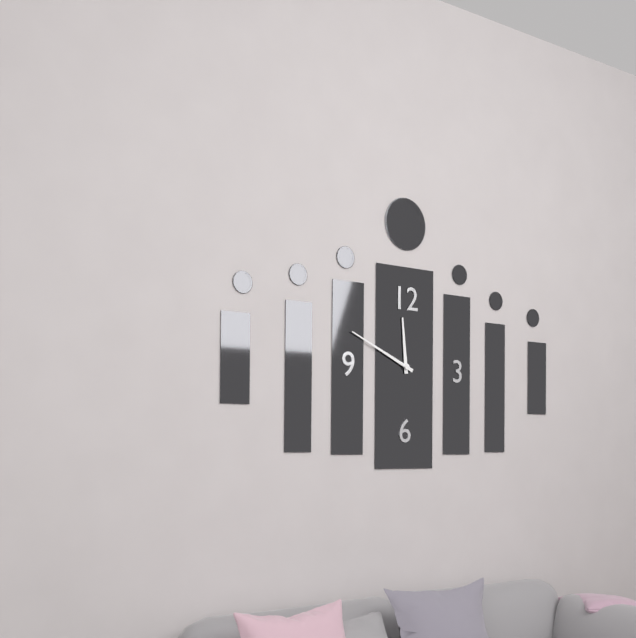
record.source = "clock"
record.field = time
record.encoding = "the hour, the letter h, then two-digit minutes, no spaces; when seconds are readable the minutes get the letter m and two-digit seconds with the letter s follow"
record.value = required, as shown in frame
11h49
